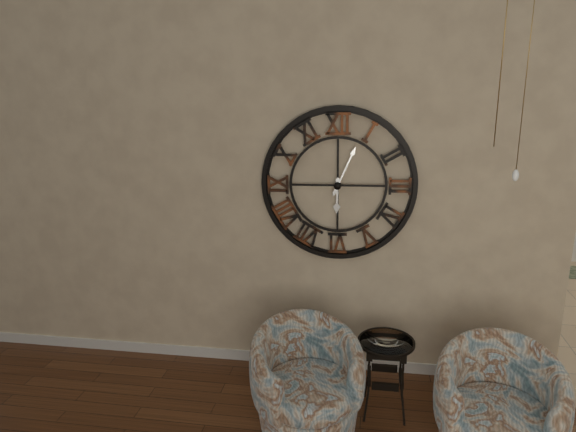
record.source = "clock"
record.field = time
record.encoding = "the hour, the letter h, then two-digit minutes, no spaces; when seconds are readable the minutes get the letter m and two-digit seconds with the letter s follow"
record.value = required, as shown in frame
6h04
